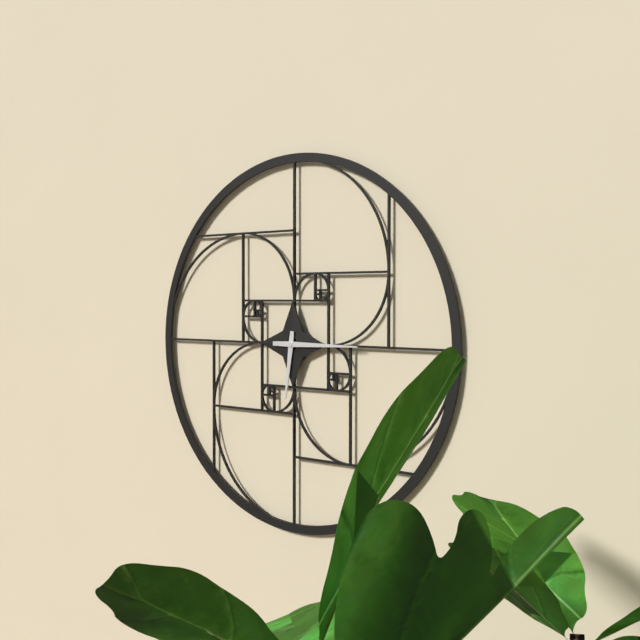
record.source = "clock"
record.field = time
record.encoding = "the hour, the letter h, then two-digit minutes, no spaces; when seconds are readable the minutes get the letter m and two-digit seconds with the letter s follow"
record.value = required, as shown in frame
6h15
